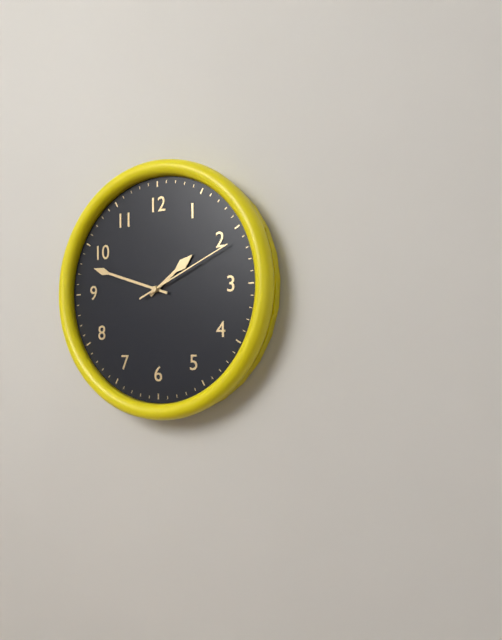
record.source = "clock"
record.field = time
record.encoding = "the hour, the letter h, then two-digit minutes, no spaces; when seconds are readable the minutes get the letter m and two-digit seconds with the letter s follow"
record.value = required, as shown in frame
1h48m11s
